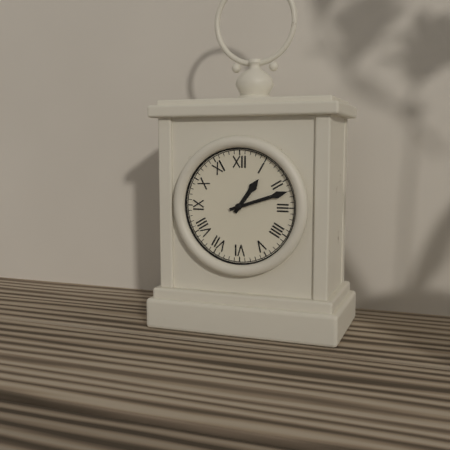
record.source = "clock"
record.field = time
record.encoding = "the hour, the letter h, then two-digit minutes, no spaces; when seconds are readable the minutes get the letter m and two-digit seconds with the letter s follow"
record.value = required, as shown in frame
1h12
